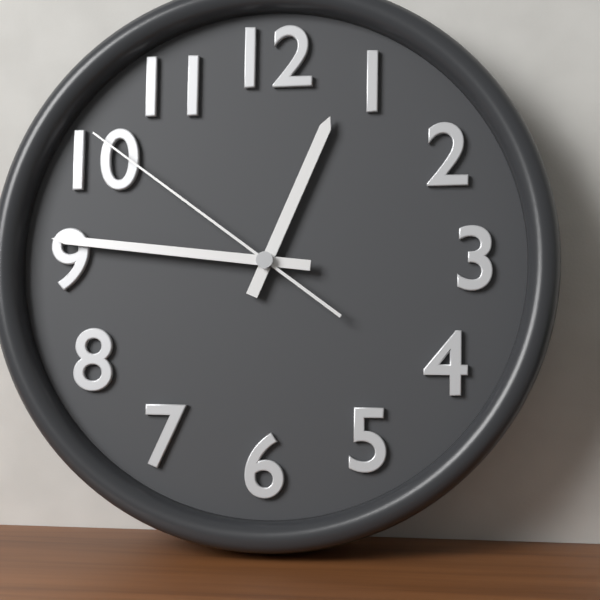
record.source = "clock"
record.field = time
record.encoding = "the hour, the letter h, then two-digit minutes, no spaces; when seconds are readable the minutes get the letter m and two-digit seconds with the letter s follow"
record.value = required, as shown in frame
12h46m51s
